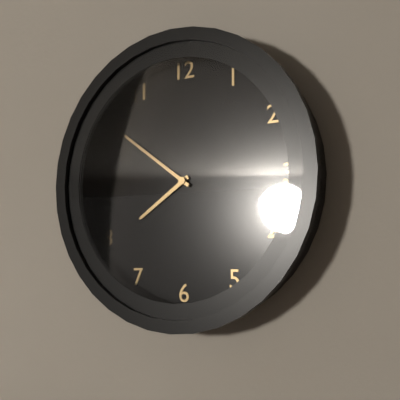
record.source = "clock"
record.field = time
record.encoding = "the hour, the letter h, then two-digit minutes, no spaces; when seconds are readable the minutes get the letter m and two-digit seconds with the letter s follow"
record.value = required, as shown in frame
7h51
